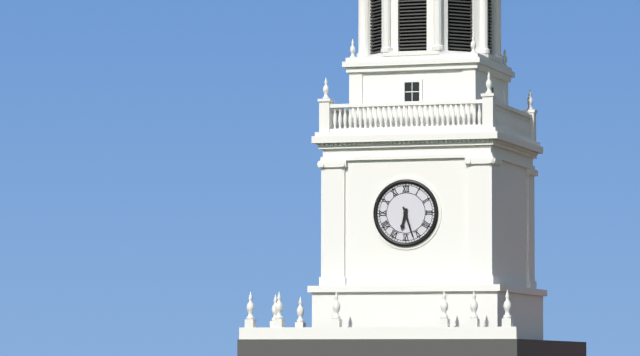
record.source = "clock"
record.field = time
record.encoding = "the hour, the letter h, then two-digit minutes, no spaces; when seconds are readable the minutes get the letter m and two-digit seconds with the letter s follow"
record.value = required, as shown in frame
6h27
